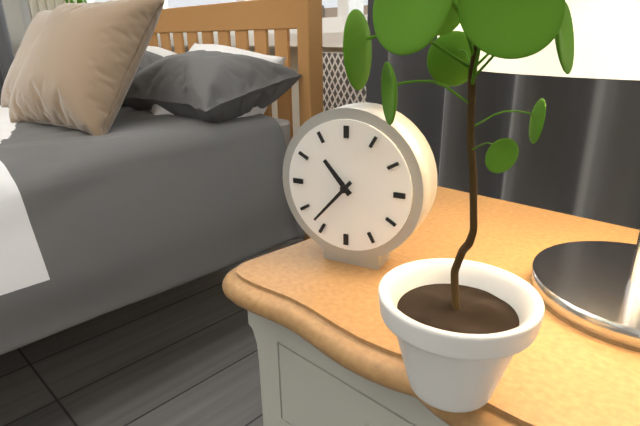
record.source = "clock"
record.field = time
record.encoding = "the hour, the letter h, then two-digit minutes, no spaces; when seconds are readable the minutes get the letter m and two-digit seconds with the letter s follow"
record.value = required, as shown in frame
10h37
